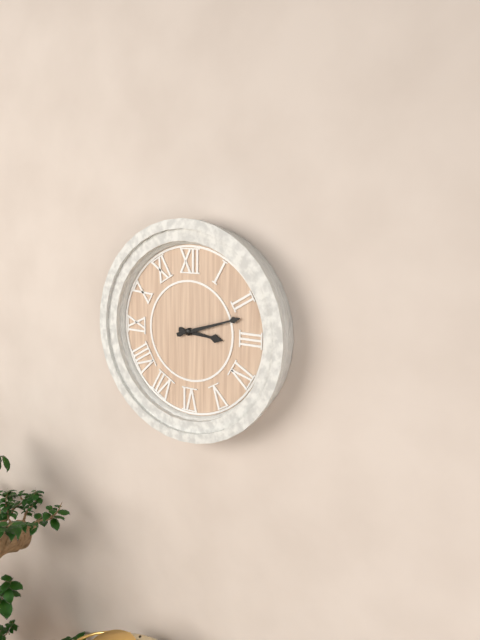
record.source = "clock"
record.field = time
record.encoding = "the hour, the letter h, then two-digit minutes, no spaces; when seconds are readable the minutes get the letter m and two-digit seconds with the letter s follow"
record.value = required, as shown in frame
3h12
